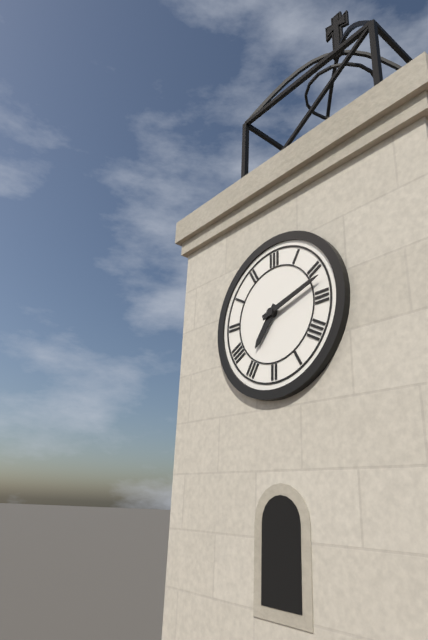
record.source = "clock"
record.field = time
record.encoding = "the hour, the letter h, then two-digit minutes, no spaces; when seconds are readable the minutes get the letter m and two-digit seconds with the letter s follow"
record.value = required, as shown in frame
7h12
